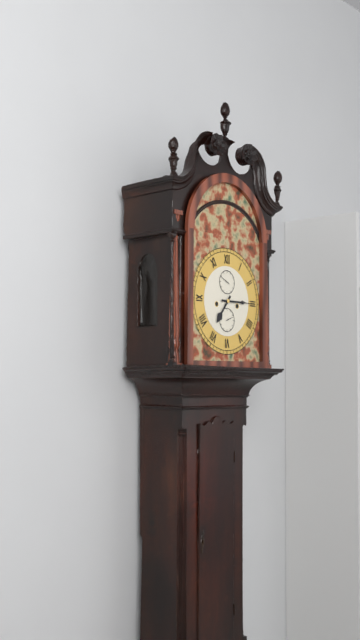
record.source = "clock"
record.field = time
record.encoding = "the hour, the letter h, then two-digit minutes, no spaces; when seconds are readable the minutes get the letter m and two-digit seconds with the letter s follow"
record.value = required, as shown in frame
7h15
